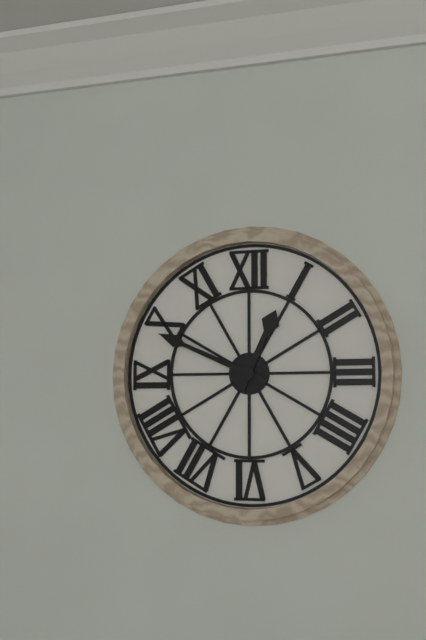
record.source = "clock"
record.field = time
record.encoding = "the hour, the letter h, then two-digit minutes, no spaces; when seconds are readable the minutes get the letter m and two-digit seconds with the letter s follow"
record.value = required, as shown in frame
12h49
